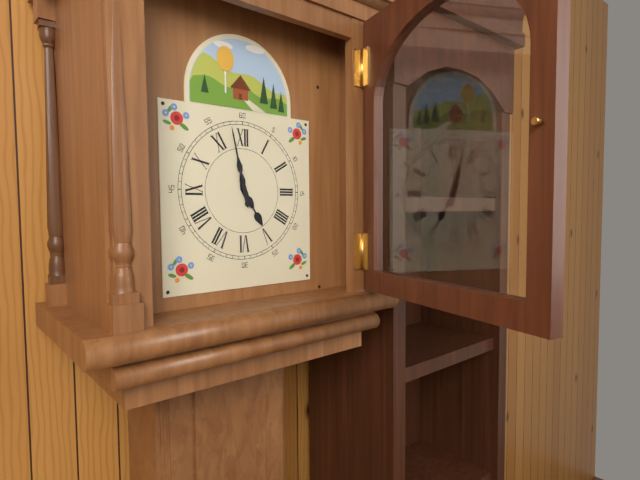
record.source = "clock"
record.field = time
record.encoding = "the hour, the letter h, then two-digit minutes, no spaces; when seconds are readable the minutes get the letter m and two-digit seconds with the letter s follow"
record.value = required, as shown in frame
4h58
